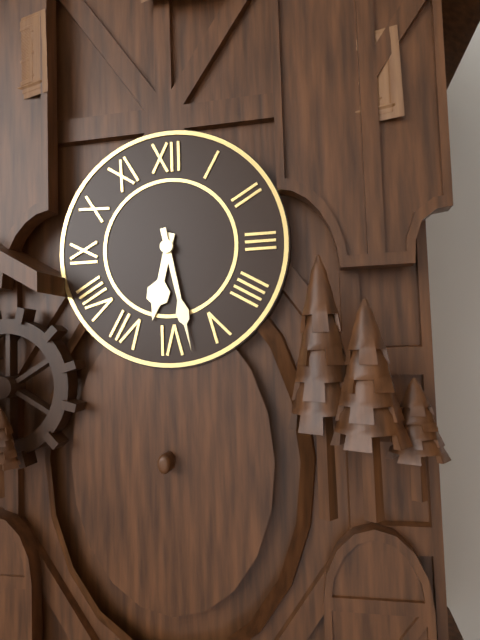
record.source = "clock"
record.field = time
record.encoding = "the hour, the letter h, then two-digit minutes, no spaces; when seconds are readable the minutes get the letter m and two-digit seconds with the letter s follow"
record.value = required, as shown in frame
6h28
